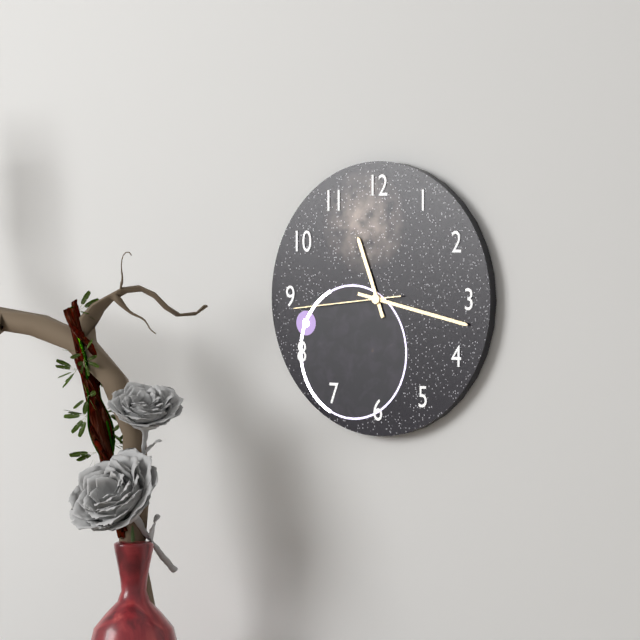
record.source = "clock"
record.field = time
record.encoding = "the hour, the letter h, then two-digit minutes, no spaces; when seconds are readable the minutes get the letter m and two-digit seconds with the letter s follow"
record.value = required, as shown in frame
11h17m44s
